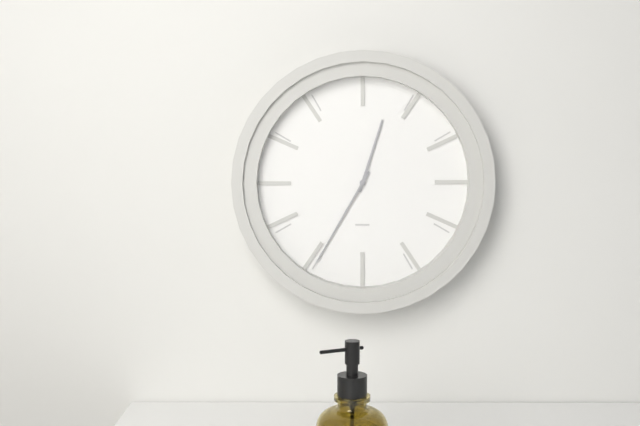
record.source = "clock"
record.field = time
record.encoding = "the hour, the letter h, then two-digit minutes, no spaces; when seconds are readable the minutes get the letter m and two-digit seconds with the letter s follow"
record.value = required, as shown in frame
12h35
